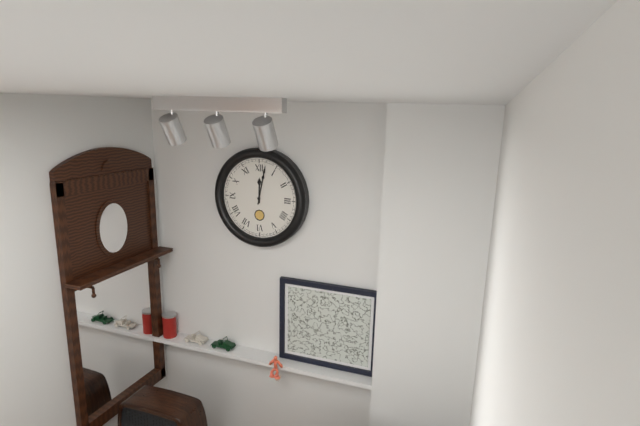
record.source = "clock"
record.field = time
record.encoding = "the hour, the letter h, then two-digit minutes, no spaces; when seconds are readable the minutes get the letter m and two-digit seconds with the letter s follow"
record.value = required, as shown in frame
12h02
